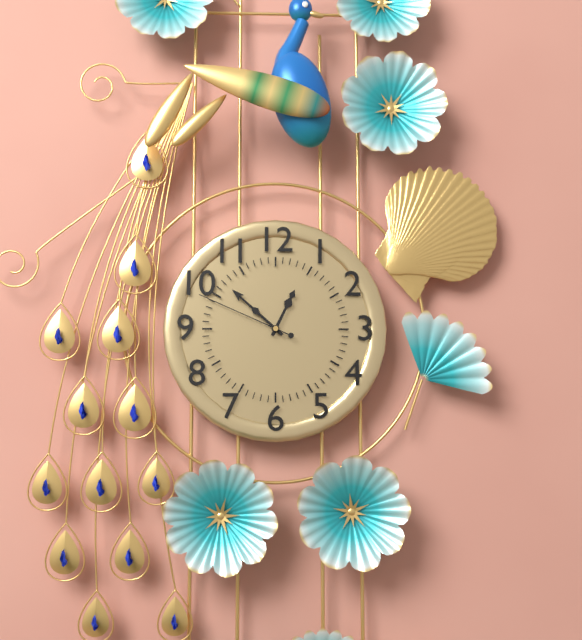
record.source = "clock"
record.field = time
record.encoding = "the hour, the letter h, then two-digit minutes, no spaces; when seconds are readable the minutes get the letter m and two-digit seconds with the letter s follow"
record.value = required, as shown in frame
12h52m49s
